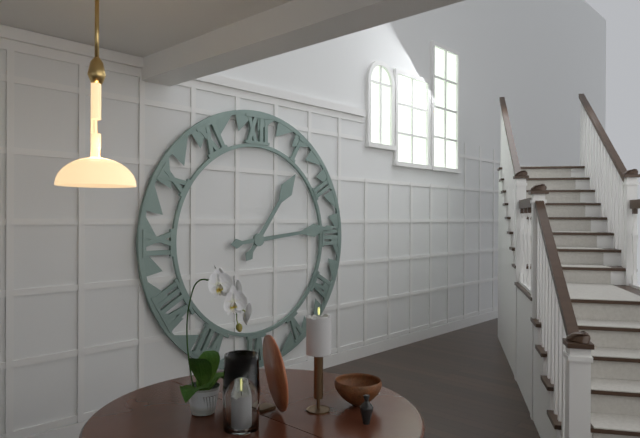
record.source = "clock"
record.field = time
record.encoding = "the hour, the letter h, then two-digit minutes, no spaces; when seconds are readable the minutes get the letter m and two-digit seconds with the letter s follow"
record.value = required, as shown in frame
1h14
